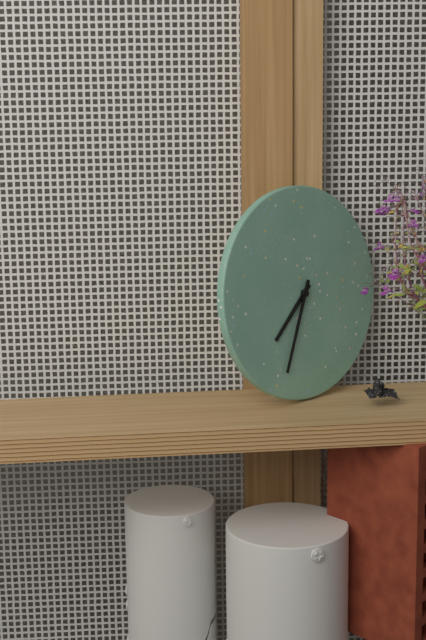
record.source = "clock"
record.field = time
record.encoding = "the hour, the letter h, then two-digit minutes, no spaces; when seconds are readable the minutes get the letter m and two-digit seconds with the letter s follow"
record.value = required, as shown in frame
7h34
